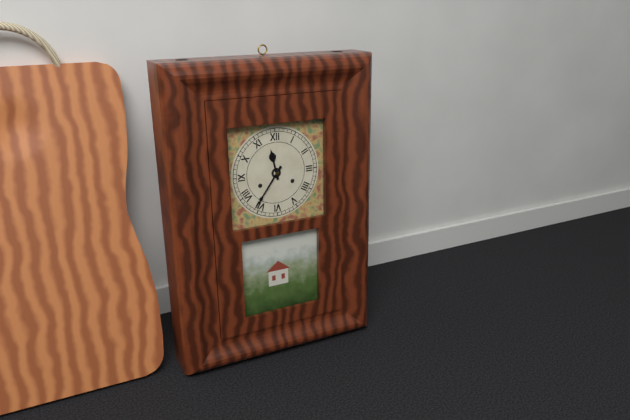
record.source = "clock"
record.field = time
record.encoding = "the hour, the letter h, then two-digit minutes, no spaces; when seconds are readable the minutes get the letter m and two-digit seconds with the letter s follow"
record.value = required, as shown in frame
11h36
